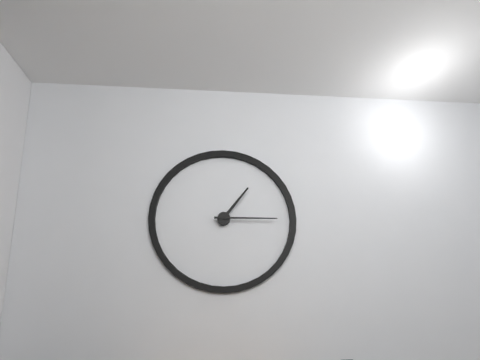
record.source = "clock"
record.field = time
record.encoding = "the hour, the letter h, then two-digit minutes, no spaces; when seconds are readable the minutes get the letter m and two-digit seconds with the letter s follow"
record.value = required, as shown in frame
1h15
